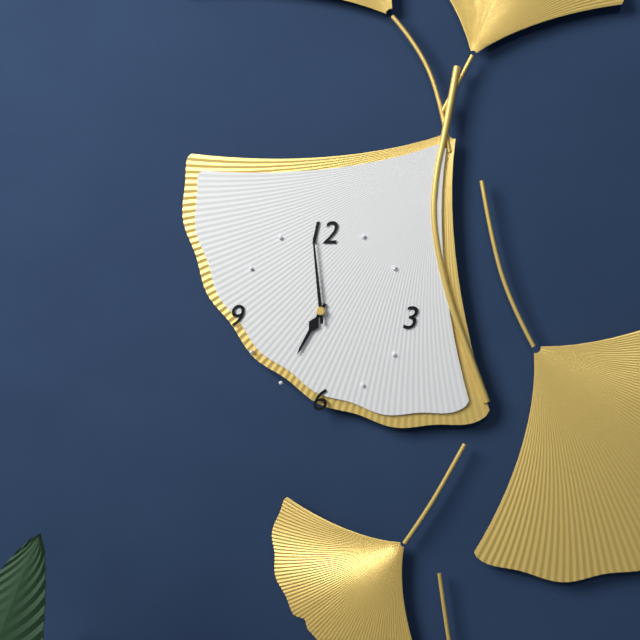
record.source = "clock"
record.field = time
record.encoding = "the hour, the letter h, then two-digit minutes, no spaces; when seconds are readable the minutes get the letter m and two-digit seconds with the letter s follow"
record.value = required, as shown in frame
6h59
